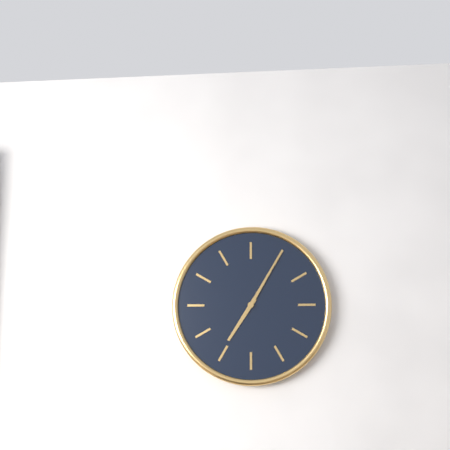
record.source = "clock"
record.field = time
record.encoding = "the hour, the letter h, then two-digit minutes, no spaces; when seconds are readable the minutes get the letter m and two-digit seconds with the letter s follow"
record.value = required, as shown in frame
7h05
